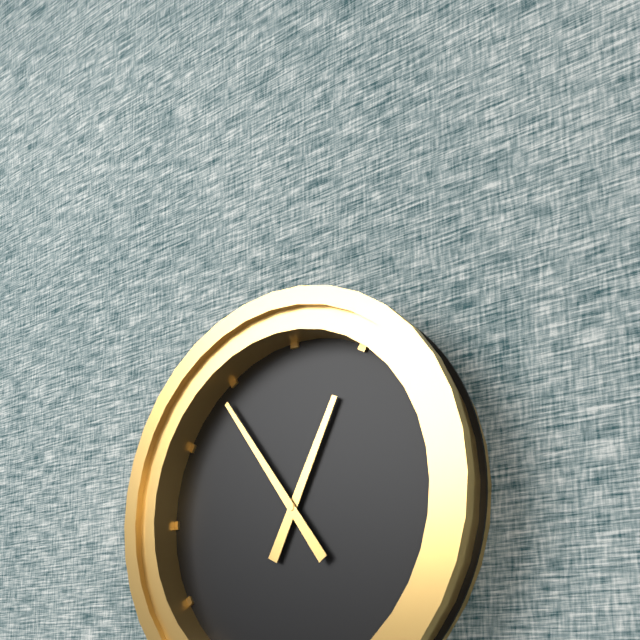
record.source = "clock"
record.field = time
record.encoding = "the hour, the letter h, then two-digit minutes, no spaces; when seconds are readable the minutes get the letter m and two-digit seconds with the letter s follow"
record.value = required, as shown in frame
12h54
